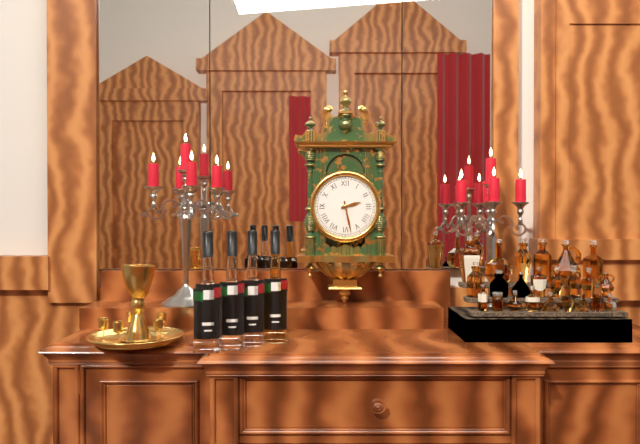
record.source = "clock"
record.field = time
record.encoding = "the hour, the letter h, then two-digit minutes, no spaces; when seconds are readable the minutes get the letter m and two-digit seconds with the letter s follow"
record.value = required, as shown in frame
2h28
